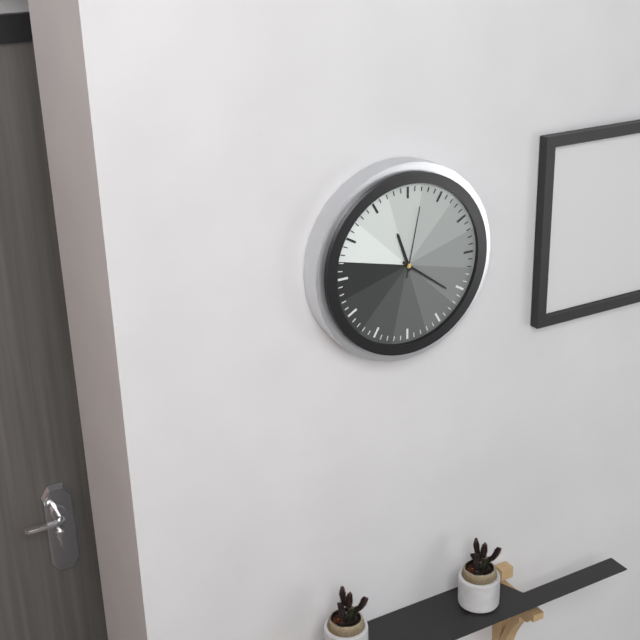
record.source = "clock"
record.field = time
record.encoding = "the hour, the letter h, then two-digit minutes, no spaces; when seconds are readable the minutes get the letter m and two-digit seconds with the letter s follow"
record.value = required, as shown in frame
11h21m02s
